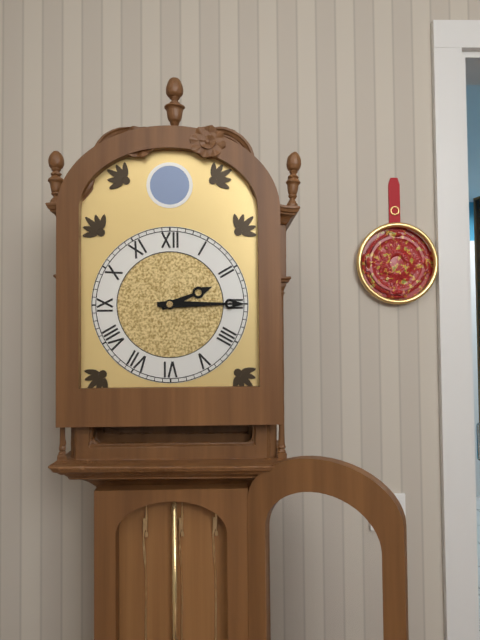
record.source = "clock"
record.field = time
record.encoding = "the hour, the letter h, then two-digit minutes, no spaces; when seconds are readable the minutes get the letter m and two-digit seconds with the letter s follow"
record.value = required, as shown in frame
2h15
